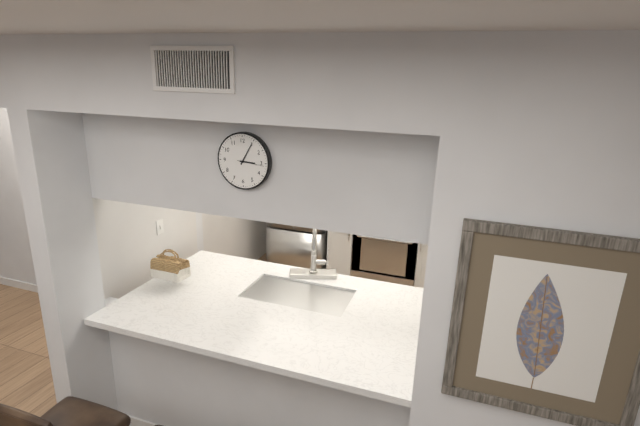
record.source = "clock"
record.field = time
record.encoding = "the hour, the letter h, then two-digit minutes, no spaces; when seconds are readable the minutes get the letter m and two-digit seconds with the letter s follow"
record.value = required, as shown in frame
3h05
